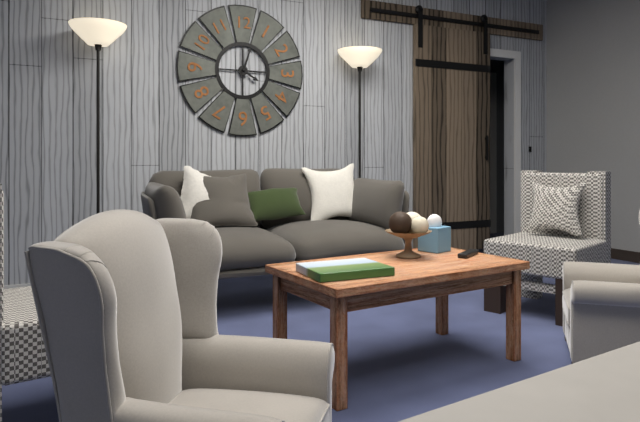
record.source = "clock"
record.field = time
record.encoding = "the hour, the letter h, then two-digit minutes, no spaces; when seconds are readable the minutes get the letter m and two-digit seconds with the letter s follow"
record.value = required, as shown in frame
4h03
